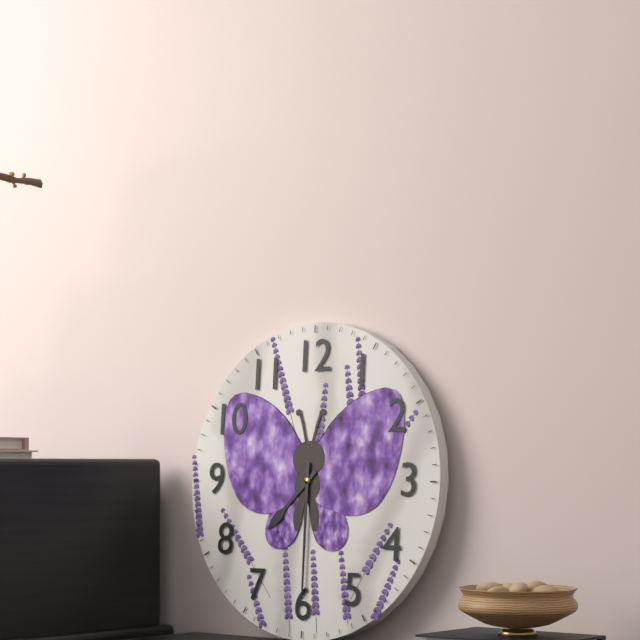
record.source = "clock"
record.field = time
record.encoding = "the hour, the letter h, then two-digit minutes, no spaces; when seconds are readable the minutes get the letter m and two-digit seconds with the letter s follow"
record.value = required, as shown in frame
7h30
